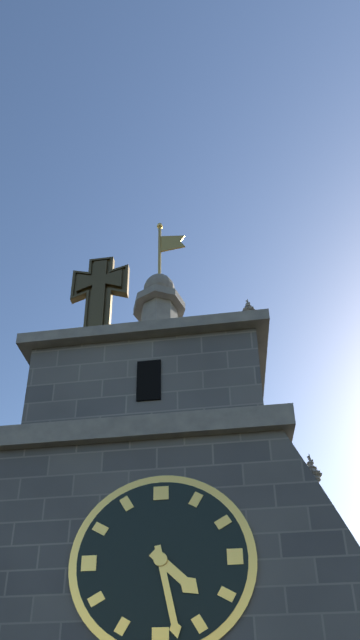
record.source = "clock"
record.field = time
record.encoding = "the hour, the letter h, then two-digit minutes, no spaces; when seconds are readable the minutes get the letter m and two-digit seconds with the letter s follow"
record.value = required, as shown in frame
4h28
